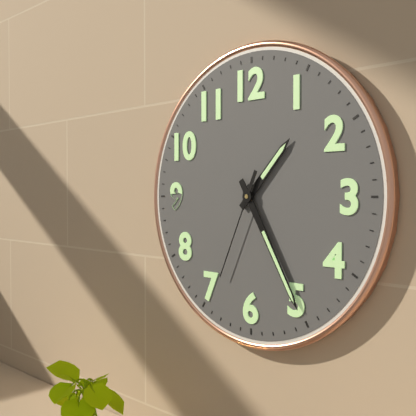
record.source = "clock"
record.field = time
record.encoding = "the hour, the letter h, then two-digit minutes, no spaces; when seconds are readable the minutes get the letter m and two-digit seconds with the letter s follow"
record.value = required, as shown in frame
1h25m34s
